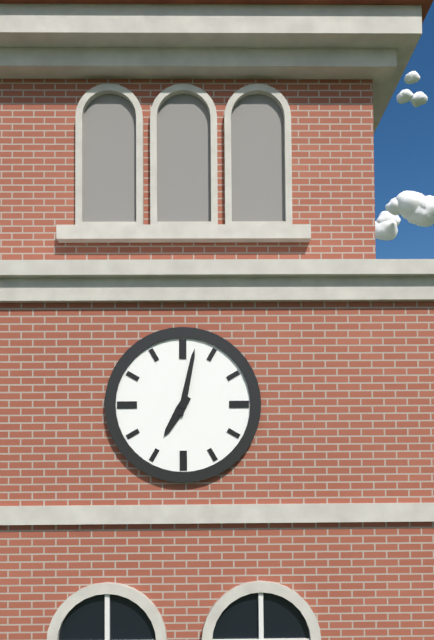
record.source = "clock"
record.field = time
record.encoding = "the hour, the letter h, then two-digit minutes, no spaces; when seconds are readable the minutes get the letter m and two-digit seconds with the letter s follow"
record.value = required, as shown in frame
7h02
